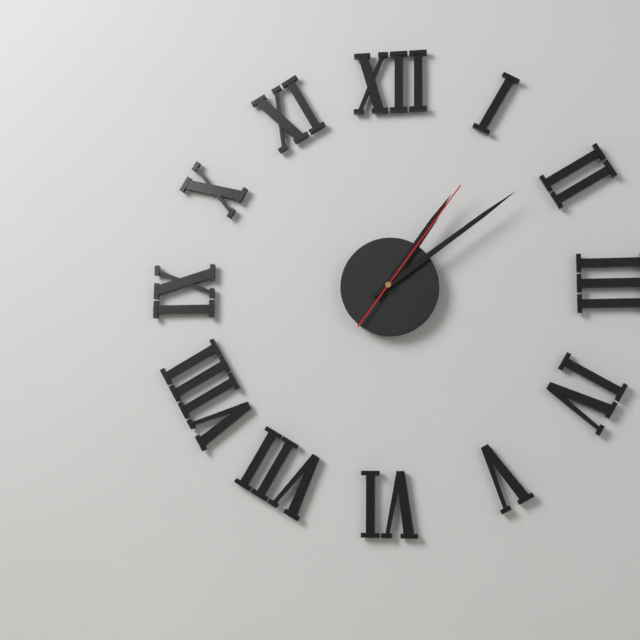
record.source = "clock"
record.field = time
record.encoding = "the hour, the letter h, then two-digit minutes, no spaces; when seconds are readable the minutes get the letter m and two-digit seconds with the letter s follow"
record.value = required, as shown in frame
1h09m06s
